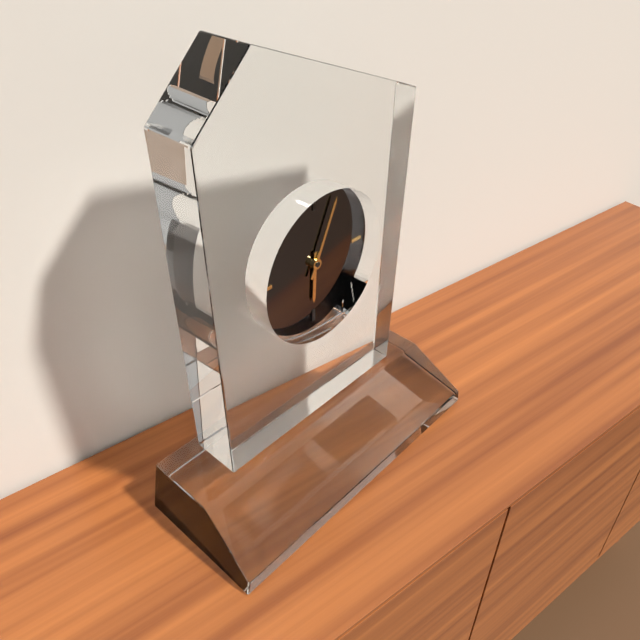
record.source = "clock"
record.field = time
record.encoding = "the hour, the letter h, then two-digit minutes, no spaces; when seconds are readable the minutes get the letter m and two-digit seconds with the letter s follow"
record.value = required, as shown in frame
6h04
